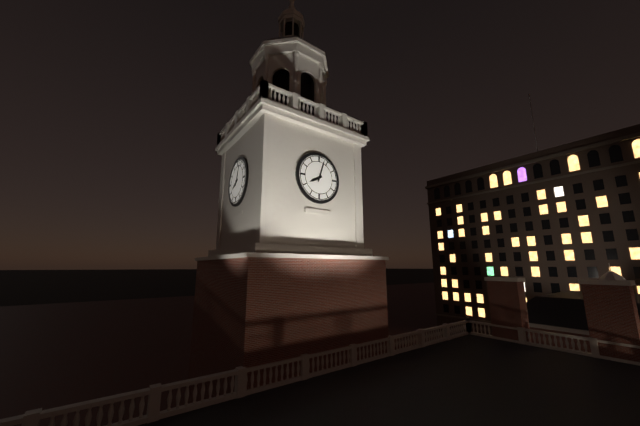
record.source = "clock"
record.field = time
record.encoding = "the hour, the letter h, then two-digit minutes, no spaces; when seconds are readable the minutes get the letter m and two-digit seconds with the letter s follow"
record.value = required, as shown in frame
8h03
